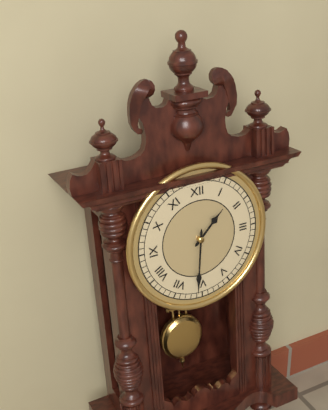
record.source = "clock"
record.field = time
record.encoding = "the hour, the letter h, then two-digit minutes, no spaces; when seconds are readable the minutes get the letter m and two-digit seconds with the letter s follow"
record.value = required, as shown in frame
1h31
